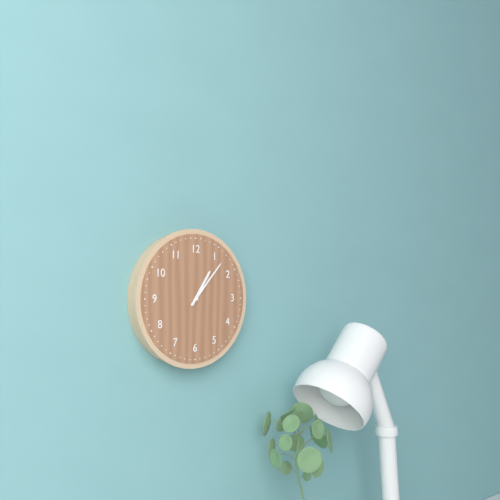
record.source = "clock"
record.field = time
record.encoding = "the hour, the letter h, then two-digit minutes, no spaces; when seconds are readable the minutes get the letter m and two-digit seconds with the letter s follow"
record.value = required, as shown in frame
1h07
